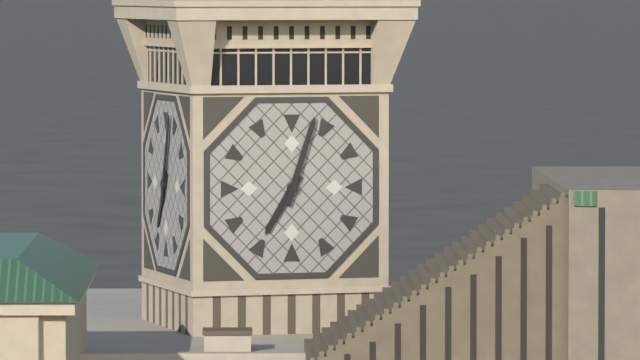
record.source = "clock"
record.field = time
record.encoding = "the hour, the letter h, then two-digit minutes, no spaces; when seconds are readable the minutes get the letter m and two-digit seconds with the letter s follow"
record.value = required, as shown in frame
7h03
